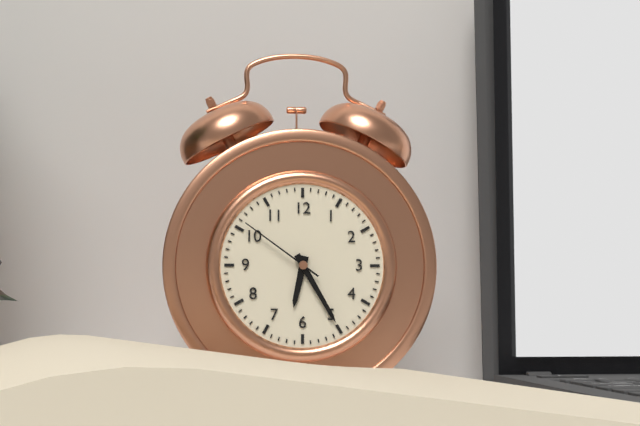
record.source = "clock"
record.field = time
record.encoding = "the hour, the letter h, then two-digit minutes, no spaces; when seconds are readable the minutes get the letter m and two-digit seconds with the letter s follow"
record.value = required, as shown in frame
6h25m51s
